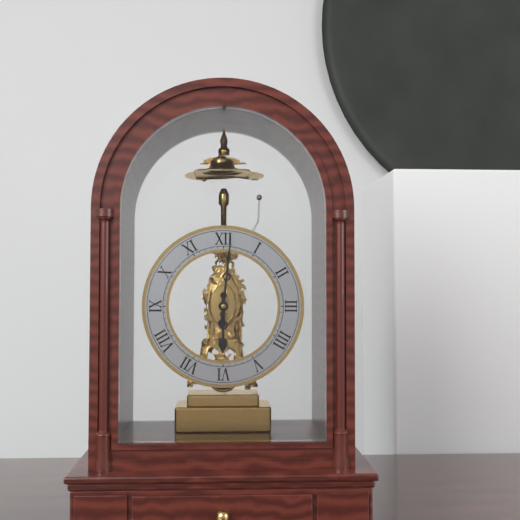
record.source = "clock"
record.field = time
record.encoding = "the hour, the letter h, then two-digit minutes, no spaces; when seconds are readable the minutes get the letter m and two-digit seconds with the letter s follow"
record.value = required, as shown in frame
6h01
